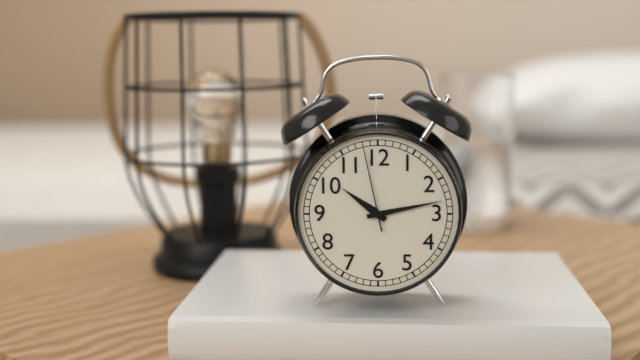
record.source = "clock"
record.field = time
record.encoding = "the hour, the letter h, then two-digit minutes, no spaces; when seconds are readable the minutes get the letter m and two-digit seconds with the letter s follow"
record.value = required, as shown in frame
10h13m58s
